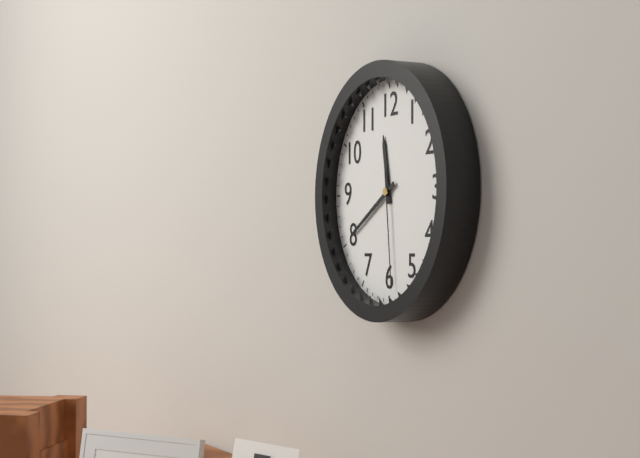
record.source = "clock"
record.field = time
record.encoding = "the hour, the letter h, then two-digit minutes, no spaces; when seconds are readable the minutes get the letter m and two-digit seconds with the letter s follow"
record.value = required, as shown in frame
11h40m29s
